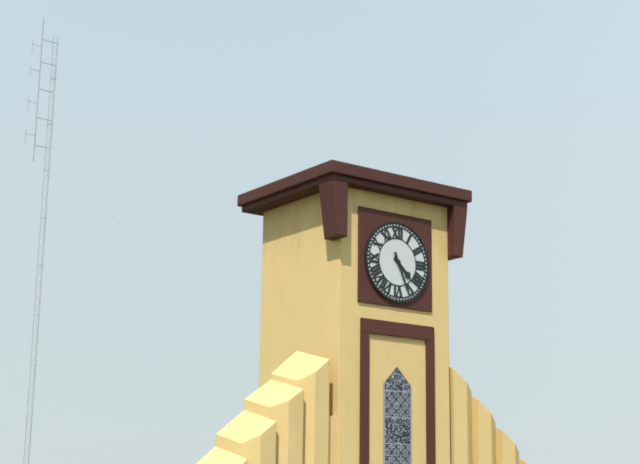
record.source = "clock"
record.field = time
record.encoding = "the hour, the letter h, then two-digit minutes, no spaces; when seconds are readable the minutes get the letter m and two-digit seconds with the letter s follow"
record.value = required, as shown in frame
4h26
